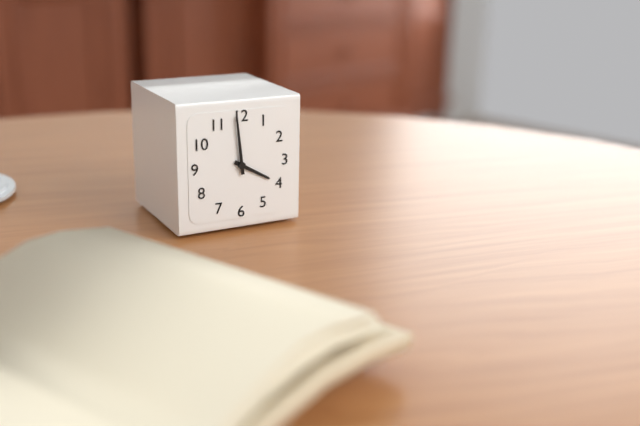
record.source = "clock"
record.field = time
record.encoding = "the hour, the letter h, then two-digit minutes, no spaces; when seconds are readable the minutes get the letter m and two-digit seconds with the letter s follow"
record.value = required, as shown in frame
3h59
